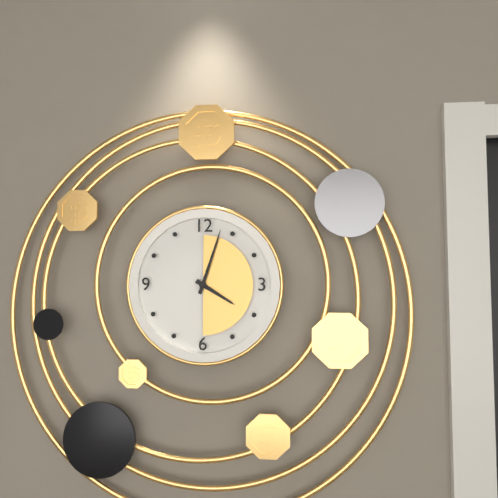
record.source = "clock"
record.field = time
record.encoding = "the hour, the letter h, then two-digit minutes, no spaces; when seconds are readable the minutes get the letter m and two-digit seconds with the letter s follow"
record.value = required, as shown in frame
4h03
